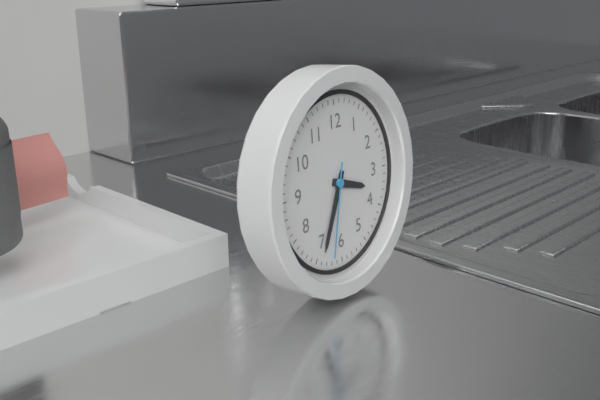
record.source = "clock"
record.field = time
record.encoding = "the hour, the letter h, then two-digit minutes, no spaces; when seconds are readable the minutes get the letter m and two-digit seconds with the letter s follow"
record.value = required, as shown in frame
3h34m32s
